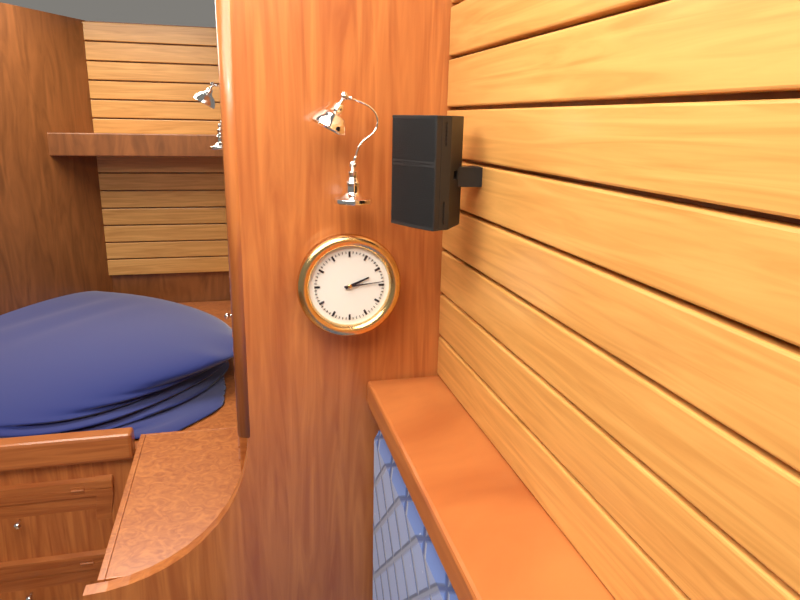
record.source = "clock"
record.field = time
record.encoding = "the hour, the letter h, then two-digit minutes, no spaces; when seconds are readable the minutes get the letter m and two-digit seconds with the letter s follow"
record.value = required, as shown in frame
2h14
